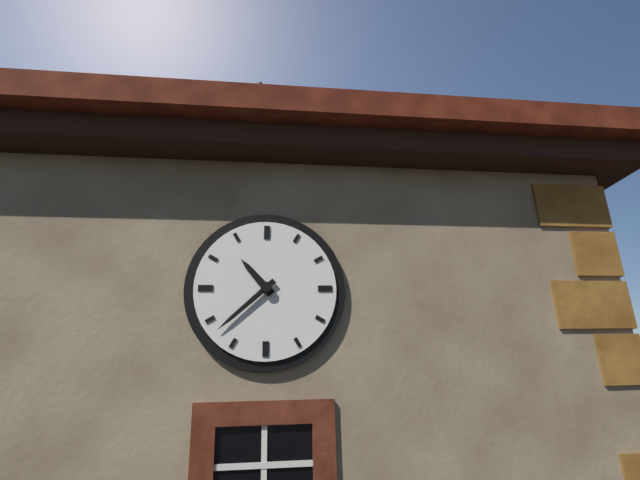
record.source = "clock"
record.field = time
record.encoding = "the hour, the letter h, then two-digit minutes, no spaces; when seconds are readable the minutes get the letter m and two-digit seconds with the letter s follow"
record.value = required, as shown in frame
10h38
